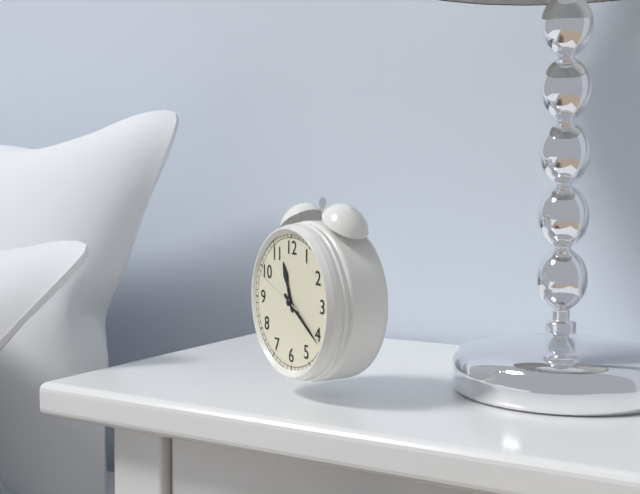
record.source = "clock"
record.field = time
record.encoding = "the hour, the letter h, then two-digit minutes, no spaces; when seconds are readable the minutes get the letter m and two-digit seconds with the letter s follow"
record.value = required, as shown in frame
11h21m49s
